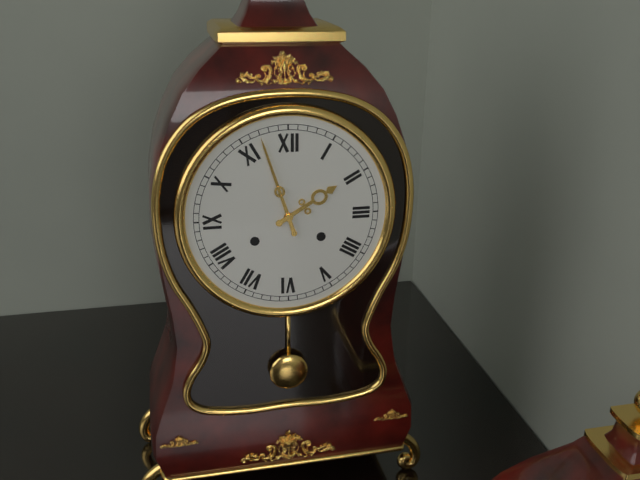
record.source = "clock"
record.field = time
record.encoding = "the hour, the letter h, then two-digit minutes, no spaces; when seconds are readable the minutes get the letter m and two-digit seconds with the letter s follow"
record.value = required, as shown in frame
1h57
